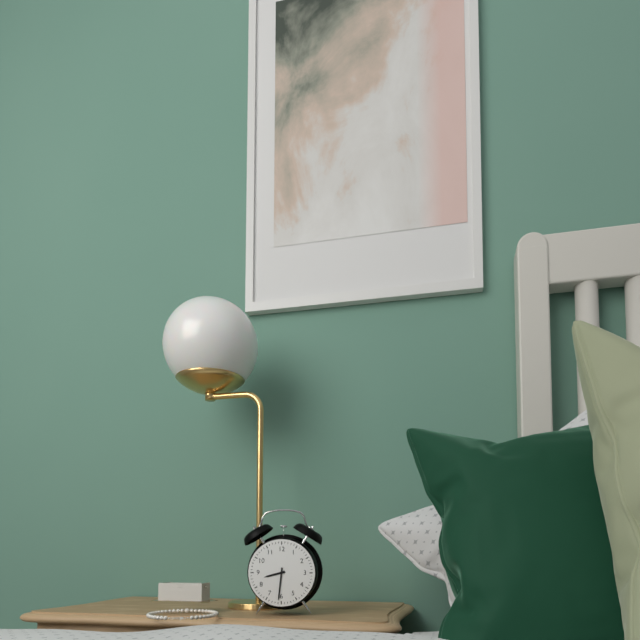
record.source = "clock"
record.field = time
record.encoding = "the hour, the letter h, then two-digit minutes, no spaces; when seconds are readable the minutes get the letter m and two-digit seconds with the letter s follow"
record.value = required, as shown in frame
8h31
